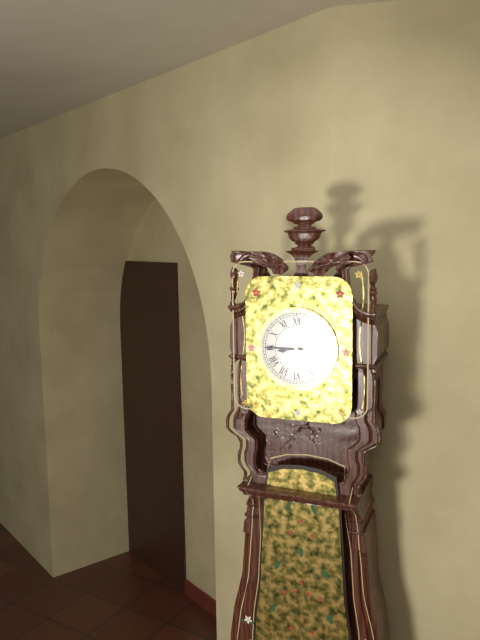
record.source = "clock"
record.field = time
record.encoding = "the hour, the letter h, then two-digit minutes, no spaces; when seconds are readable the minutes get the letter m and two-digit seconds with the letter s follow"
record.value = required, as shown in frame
8h45
